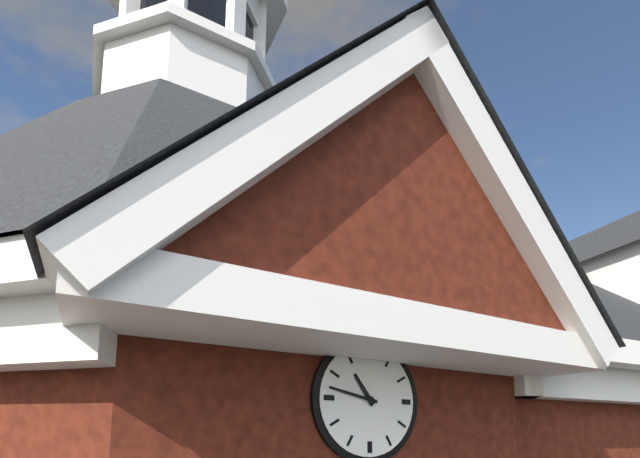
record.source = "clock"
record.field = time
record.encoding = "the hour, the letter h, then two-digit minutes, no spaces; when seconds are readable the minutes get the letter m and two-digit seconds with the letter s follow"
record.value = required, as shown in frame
10h47
